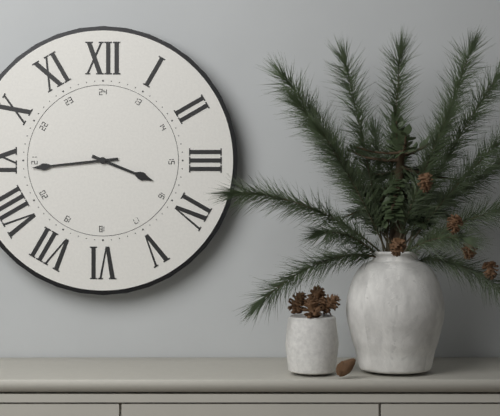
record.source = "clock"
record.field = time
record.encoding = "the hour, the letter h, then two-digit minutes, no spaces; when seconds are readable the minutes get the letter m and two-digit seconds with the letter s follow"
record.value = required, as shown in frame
3h44
